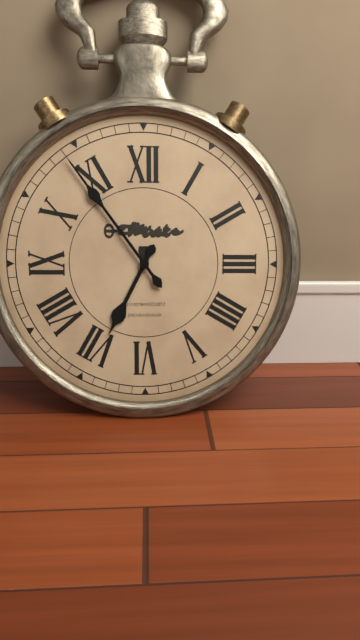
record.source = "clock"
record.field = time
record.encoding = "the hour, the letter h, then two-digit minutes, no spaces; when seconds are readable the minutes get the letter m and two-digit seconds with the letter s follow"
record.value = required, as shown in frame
6h54
